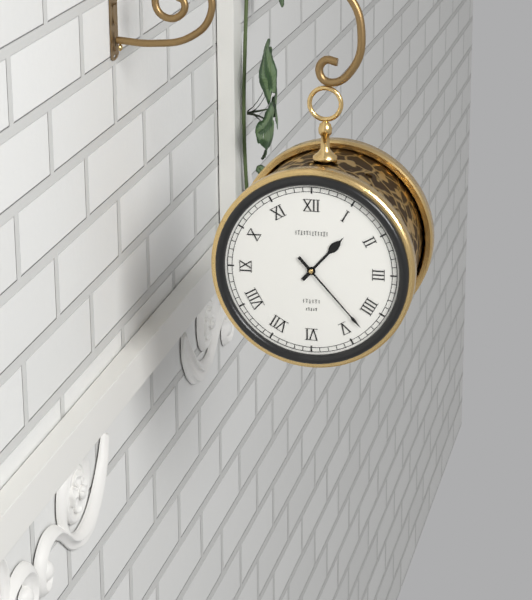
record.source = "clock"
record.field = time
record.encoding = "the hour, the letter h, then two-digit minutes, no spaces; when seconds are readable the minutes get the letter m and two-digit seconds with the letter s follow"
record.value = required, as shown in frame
1h23
